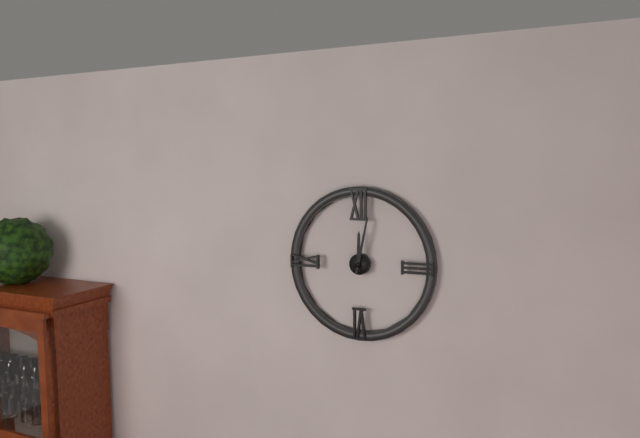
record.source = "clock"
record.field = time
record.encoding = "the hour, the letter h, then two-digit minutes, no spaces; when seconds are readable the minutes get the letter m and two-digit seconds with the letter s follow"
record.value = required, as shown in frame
12h02
